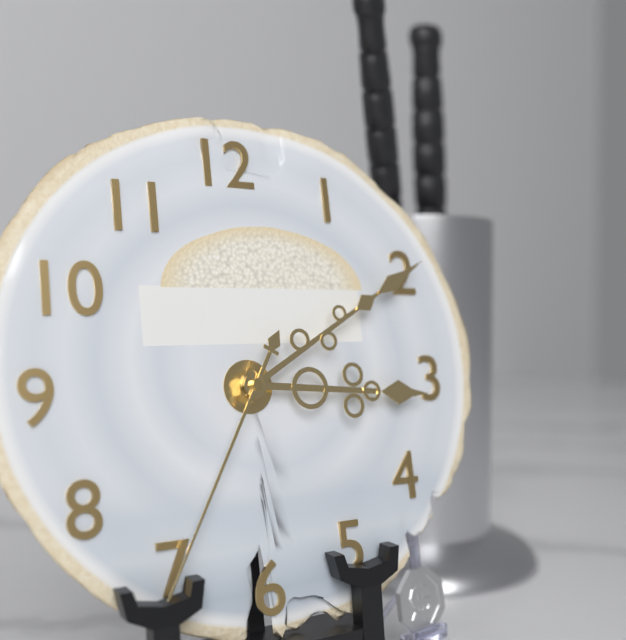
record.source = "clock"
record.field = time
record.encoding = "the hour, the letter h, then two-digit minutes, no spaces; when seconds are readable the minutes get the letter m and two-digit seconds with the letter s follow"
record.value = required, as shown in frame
3h10
